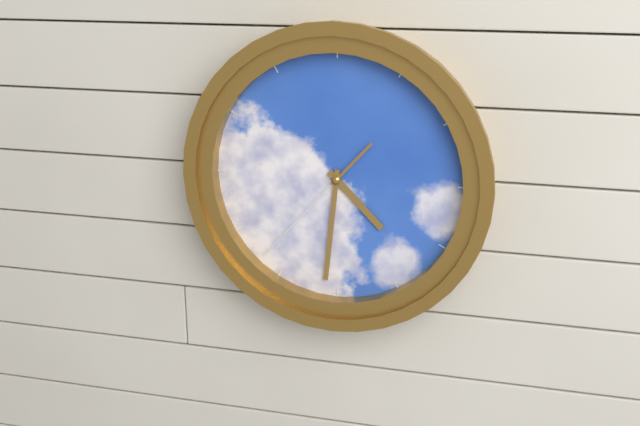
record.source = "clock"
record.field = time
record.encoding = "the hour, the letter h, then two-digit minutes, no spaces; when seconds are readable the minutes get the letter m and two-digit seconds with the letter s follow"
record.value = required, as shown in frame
4h31m37s
